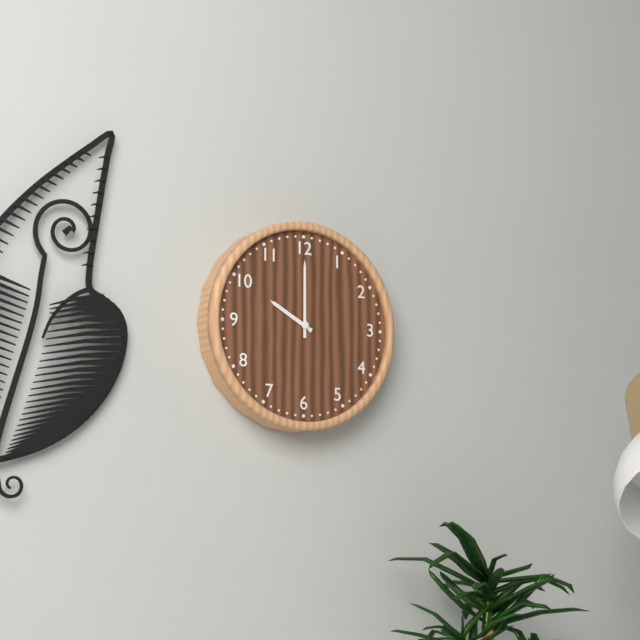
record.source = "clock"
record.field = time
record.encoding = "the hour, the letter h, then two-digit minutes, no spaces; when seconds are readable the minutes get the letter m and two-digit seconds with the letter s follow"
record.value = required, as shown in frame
10h00
